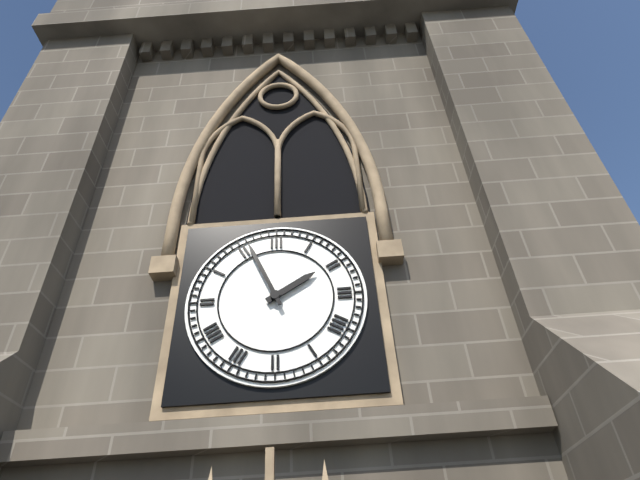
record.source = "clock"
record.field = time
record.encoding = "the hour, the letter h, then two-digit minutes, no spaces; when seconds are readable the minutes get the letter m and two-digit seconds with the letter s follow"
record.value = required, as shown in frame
1h56
